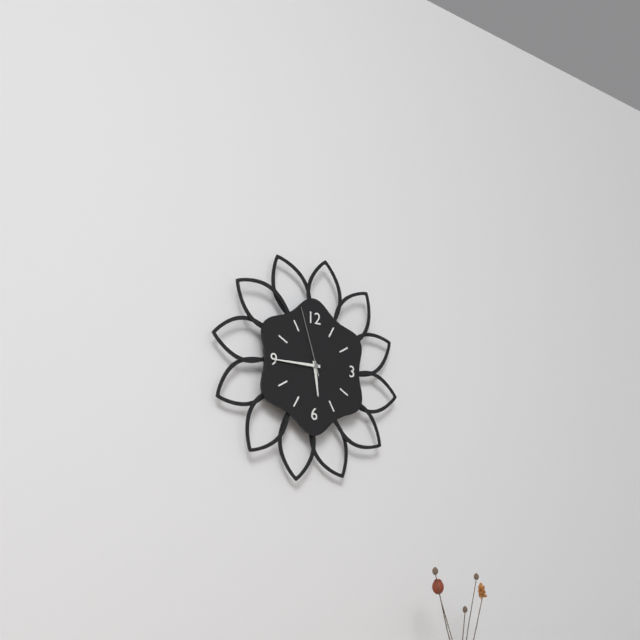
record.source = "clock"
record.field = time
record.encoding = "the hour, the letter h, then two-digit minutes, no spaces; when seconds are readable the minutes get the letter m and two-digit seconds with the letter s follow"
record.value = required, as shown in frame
5h45m57s
